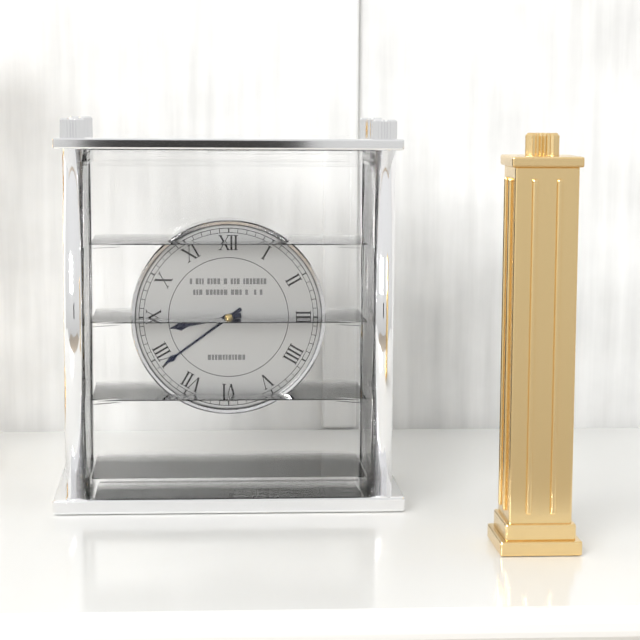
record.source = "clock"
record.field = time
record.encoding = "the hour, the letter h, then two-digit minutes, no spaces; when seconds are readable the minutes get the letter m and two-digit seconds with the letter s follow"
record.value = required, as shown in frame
8h39
